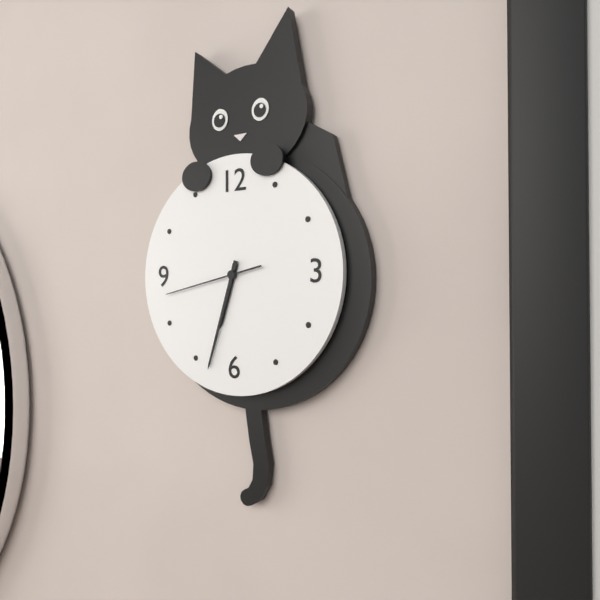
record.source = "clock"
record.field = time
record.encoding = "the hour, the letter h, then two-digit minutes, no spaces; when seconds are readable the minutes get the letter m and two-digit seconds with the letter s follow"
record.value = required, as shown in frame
6h33m43s
